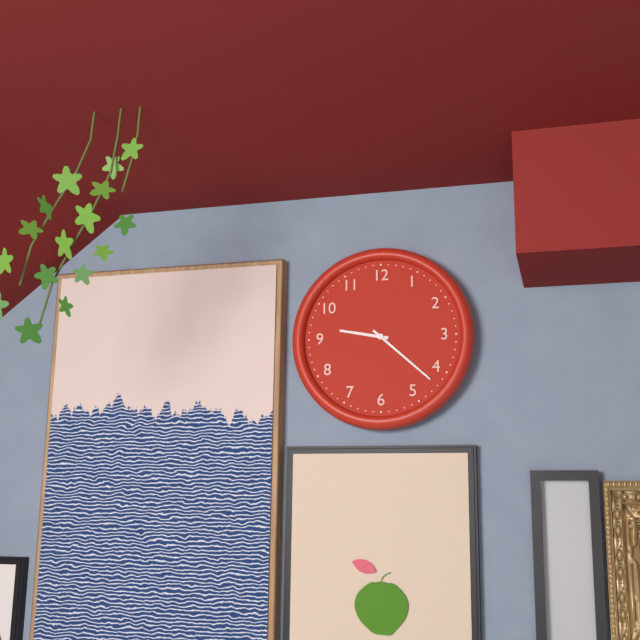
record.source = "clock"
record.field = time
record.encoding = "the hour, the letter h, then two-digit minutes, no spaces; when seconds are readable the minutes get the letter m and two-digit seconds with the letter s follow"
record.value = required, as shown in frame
9h22
